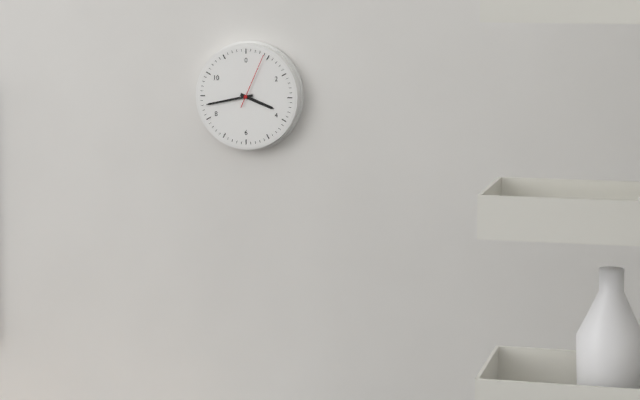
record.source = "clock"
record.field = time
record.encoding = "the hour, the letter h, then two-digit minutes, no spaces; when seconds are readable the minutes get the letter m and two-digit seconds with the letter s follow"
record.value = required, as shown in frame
3h43m04s
